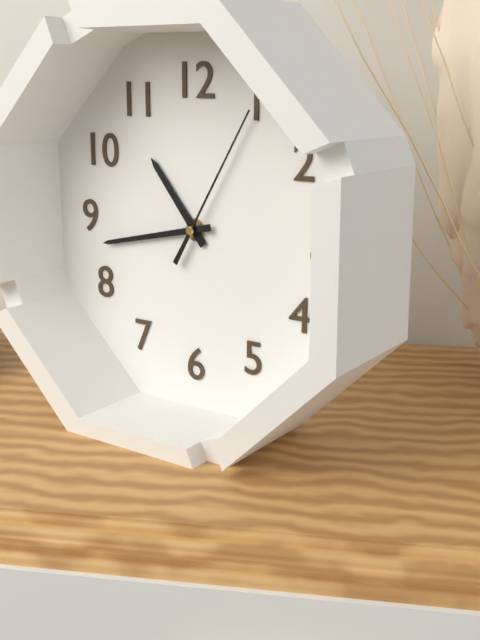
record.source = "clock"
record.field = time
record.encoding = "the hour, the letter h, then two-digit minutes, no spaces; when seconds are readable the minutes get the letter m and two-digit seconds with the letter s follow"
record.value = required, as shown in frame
10h43m05s
